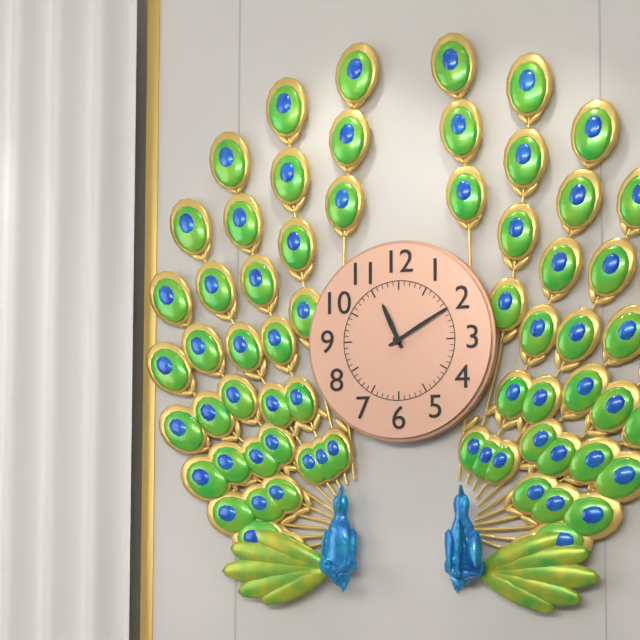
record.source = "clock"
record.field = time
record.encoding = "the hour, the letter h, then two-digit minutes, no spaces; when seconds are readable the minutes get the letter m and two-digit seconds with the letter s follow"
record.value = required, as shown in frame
11h10
